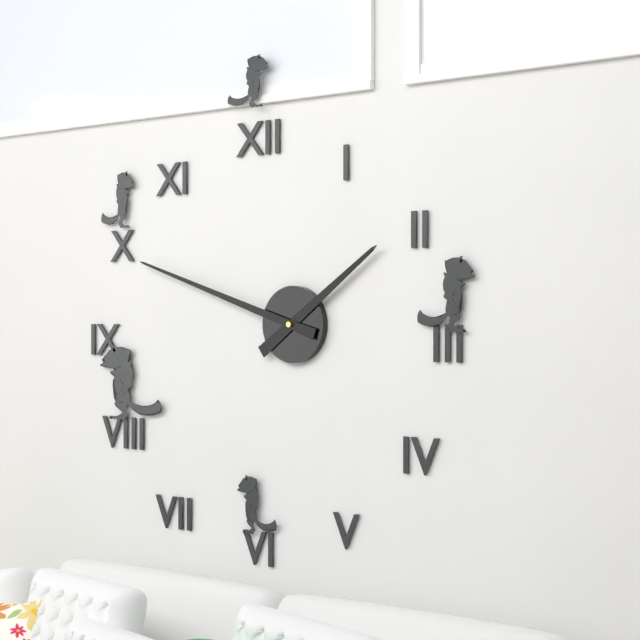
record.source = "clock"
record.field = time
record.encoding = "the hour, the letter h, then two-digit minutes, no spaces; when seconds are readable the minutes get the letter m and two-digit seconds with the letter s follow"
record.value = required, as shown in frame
1h48
